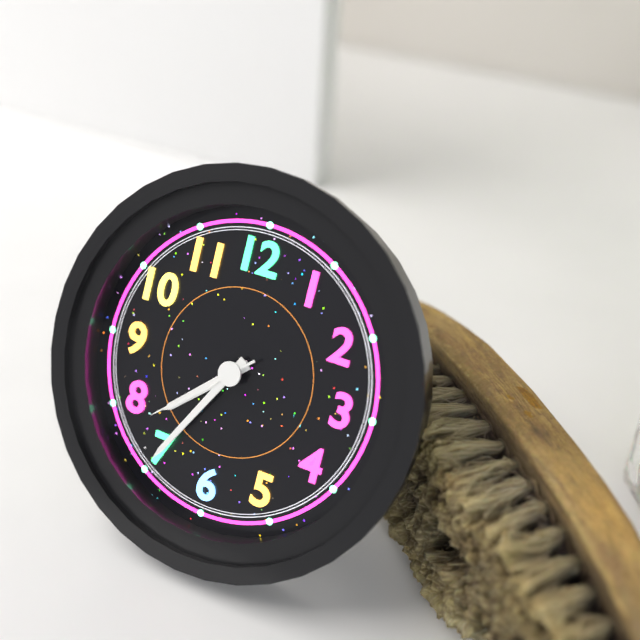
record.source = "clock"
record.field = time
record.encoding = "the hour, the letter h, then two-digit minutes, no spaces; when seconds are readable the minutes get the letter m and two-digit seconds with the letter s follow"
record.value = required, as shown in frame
7h35m38s
